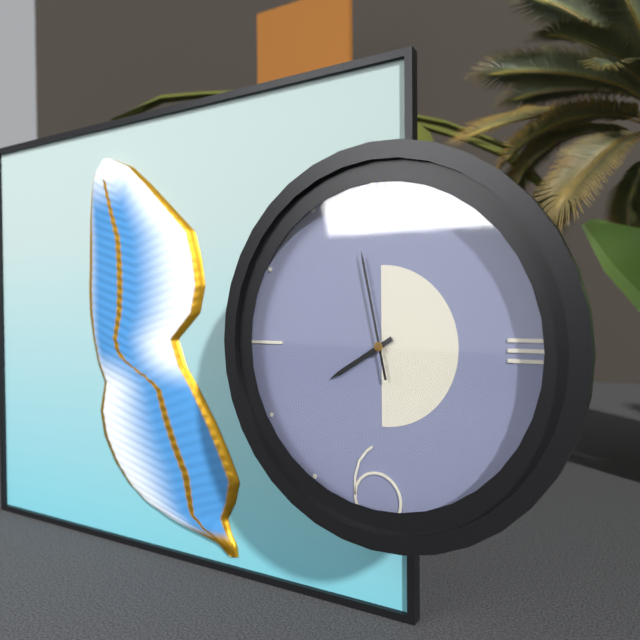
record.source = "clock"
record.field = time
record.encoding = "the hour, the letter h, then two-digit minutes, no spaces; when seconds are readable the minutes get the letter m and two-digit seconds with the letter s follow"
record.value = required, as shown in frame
7h58
